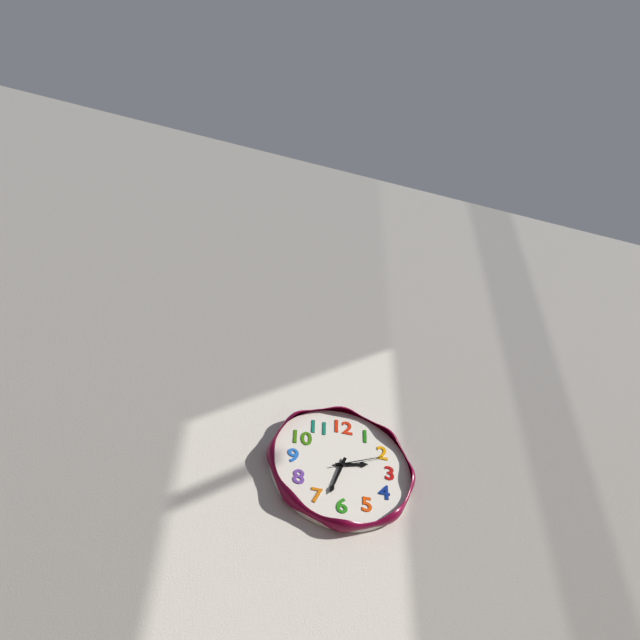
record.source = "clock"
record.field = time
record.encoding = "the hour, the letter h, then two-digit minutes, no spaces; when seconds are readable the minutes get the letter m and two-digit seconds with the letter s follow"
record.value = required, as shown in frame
2h33m11s
